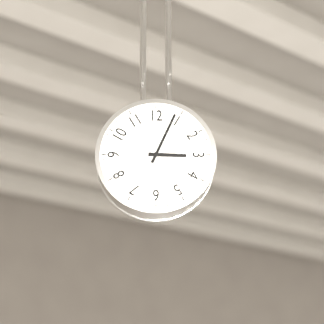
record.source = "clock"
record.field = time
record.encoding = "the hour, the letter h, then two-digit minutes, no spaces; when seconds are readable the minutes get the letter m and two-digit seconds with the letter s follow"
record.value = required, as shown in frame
3h04
